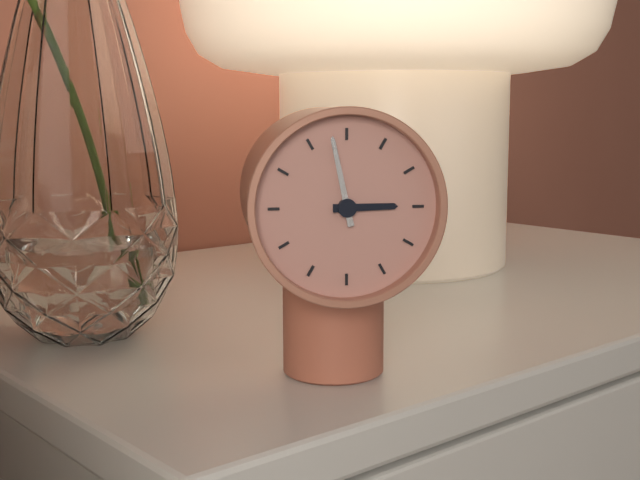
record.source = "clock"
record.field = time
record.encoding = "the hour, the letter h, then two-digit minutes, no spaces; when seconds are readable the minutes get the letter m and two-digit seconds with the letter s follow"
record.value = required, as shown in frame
2h58
